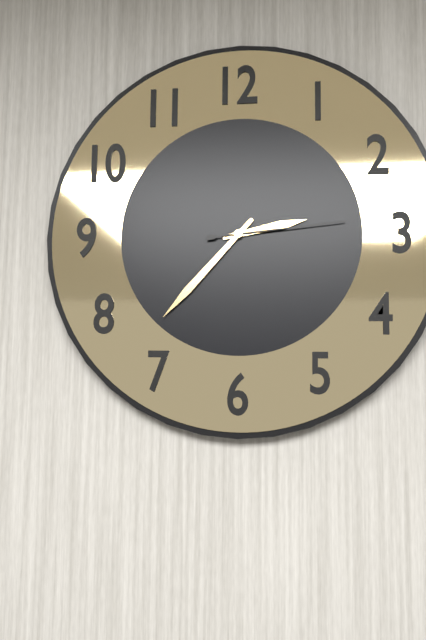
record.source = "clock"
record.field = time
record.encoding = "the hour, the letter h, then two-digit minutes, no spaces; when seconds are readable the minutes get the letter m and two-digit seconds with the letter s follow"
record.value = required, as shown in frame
2h37m14s
